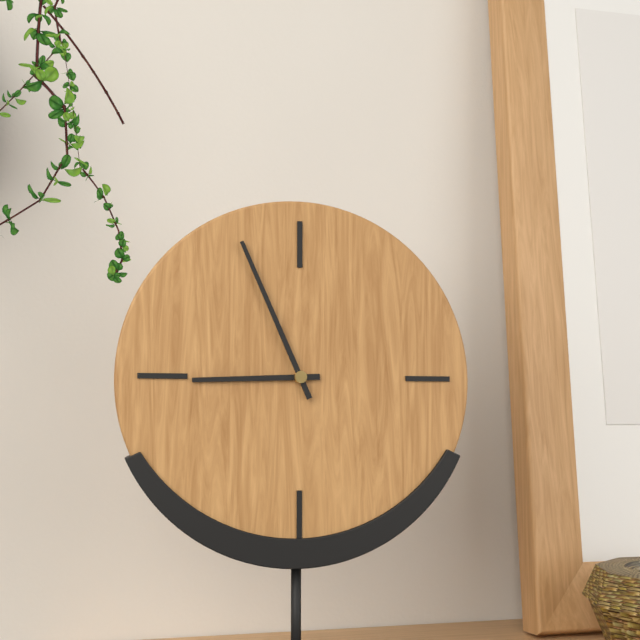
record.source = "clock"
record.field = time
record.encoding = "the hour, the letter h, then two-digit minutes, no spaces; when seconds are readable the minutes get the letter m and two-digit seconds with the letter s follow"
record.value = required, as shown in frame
8h56
